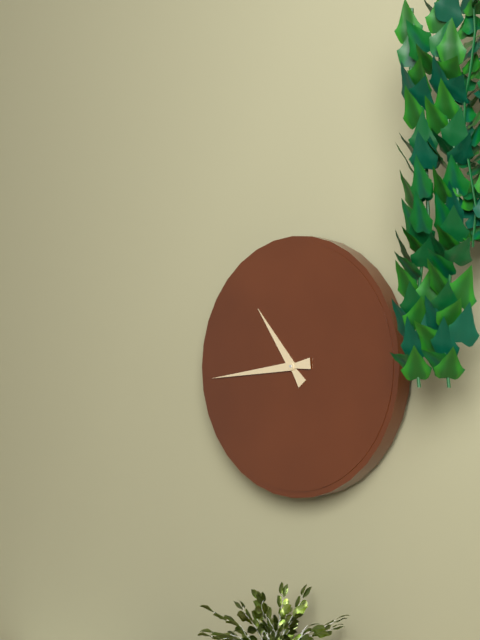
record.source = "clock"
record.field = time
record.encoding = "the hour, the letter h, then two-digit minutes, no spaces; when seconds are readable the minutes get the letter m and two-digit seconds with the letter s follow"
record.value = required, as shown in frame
10h44
